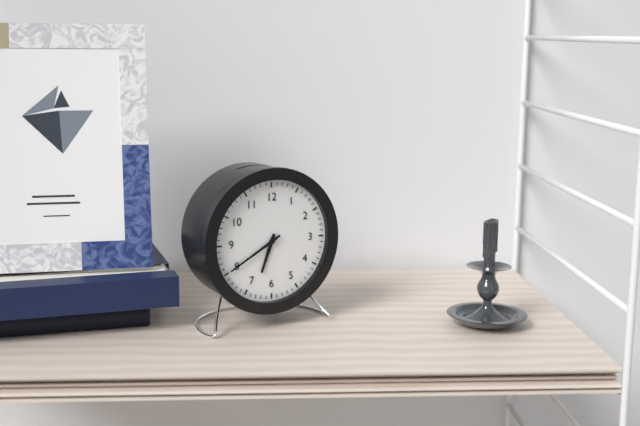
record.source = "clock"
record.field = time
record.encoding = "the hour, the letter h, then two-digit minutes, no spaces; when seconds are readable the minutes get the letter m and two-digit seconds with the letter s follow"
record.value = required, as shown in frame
6h40
